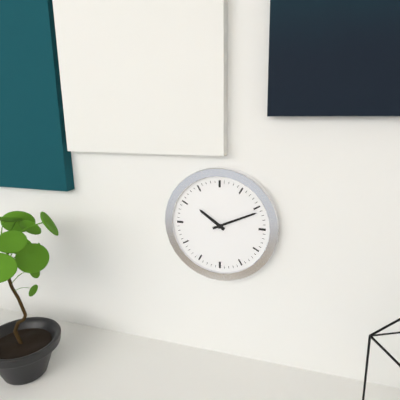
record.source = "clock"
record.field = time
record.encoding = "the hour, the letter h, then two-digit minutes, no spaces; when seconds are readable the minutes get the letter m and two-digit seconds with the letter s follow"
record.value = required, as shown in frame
10h11
